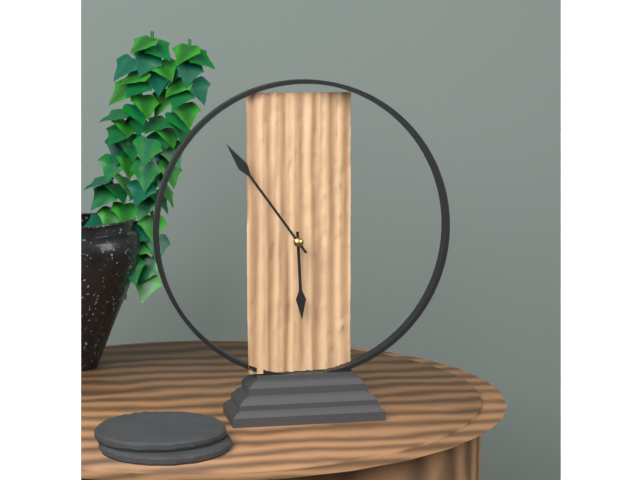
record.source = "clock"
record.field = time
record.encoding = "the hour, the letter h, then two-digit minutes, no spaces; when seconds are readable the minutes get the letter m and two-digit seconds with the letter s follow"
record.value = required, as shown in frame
5h54
